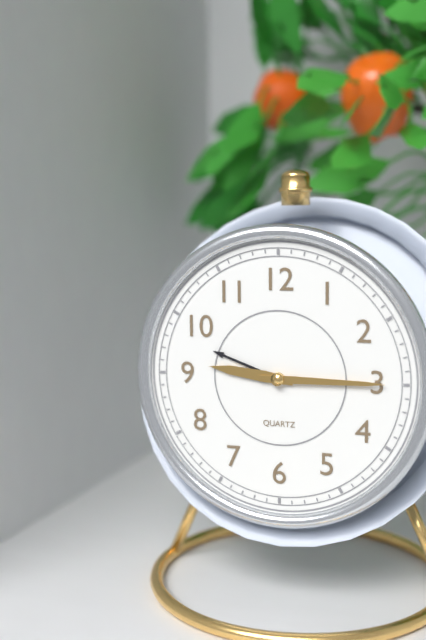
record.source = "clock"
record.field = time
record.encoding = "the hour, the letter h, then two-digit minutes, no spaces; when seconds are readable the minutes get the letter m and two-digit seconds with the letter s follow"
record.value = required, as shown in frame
9h15
